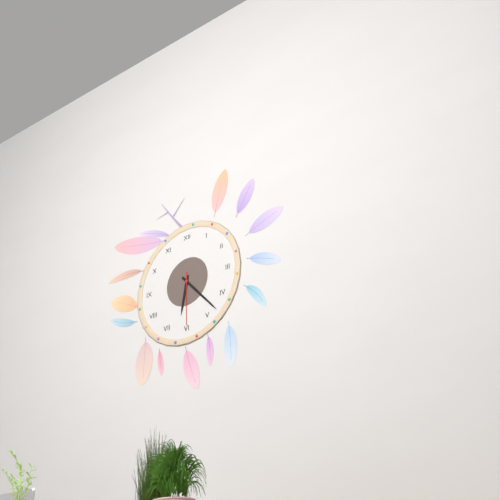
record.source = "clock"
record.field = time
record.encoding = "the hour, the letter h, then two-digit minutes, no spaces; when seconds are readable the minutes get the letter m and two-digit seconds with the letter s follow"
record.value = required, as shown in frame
6h23m30s
